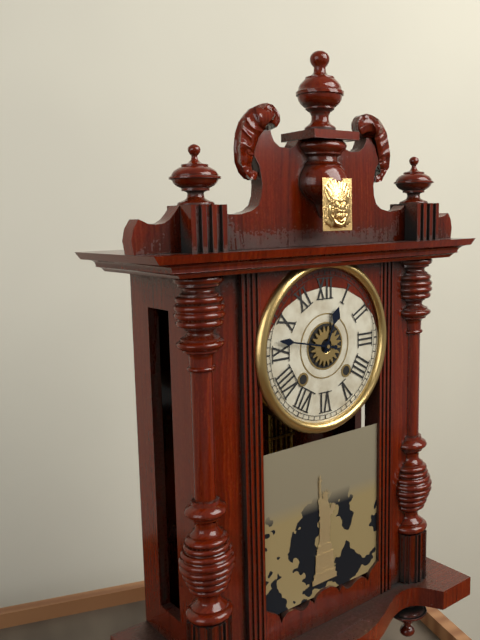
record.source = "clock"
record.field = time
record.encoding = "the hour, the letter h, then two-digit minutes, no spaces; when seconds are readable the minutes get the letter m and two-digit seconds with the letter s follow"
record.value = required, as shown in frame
12h47
